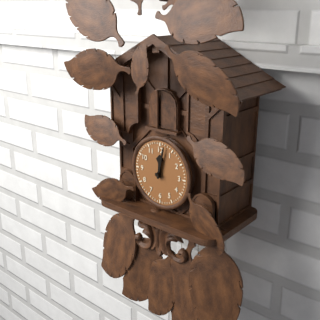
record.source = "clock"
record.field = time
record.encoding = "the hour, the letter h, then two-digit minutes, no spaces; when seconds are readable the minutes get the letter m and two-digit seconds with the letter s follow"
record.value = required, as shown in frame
12h02
